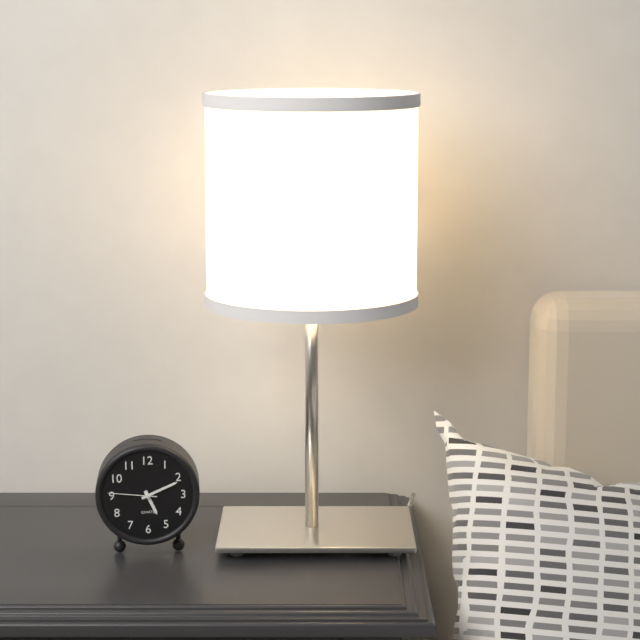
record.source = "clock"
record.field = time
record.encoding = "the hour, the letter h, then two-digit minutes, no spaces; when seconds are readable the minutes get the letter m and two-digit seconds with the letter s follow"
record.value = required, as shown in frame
5h11
